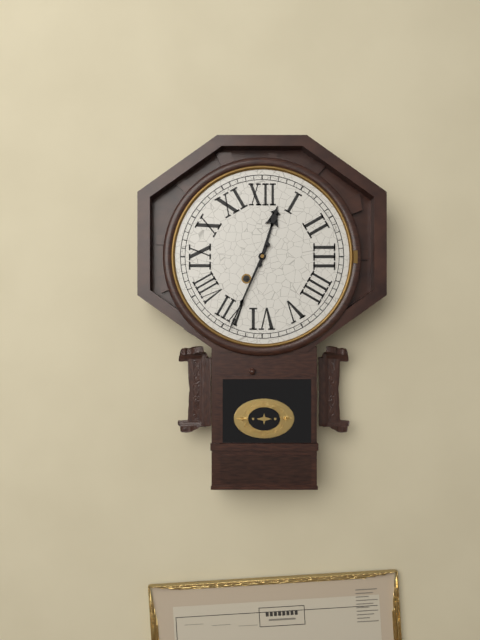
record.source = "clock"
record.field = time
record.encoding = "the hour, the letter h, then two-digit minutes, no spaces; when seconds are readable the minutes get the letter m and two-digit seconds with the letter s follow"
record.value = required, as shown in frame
12h34
